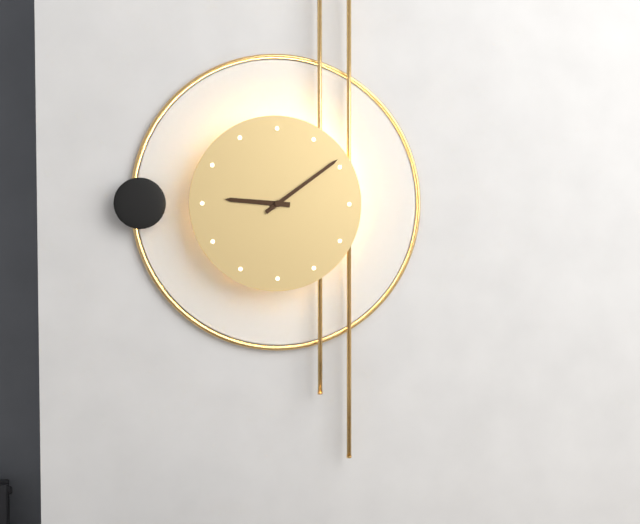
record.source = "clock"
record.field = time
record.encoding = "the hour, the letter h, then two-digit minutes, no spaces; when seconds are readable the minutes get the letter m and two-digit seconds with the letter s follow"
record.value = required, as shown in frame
9h09
